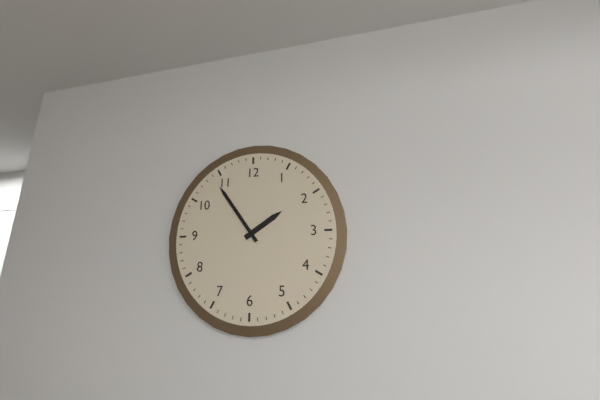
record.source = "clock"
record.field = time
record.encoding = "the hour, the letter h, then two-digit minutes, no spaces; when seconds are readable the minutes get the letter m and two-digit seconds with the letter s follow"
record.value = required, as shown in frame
1h54
